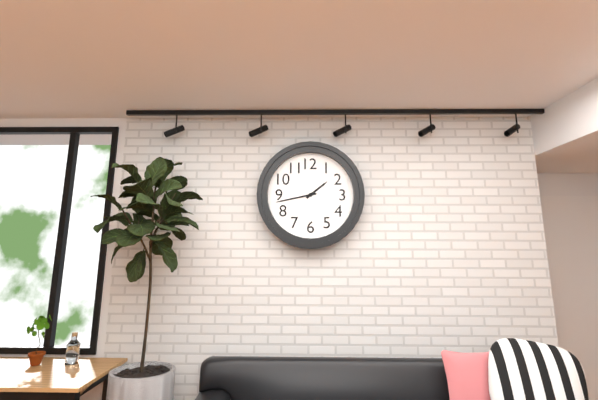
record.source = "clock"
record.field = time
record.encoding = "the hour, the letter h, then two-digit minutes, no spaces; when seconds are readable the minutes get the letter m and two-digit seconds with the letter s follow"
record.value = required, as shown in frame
1h43
